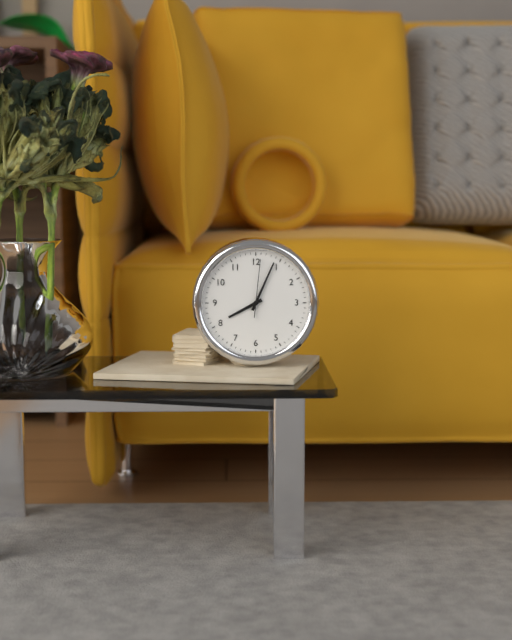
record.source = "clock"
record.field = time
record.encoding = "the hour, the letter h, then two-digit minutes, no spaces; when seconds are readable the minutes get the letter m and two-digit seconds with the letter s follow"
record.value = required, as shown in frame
8h04m01s
